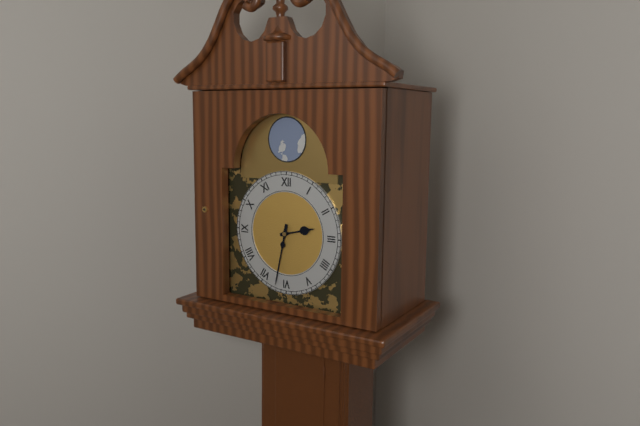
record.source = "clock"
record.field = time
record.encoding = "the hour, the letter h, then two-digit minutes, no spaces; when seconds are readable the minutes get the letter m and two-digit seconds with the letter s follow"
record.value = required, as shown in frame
2h32
